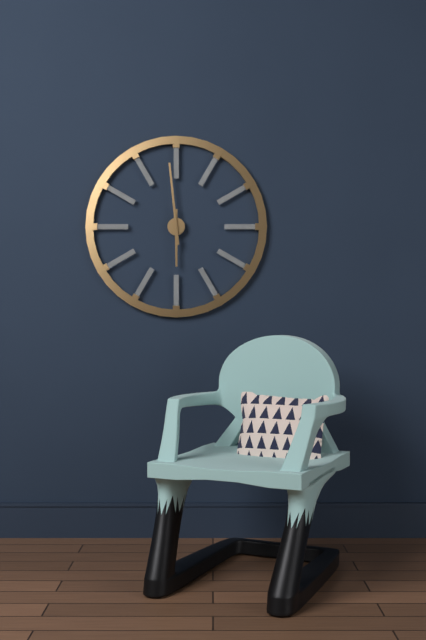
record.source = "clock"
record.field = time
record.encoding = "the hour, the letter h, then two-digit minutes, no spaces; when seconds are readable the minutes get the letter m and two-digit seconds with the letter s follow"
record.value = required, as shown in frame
5h59
